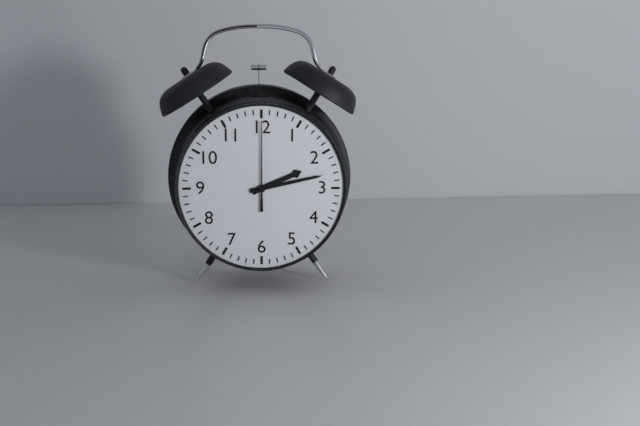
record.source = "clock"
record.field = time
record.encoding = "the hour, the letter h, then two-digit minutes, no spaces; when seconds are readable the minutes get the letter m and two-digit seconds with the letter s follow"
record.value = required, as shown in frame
2h13m00s
